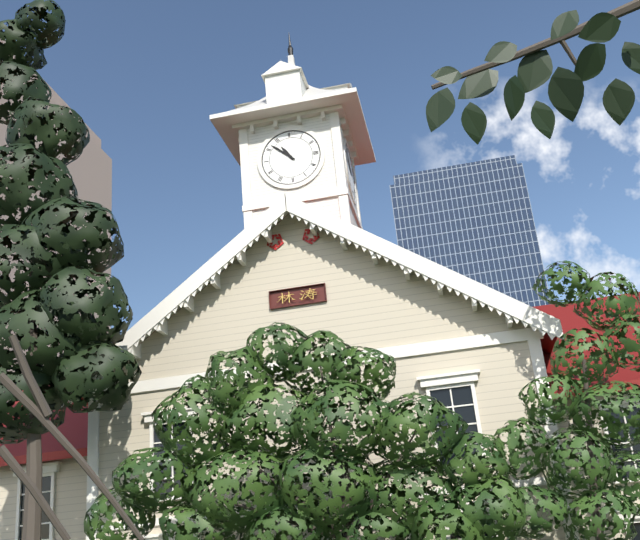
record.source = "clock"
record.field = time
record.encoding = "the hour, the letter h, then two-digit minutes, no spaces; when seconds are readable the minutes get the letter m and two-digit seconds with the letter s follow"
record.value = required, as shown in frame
10h52
